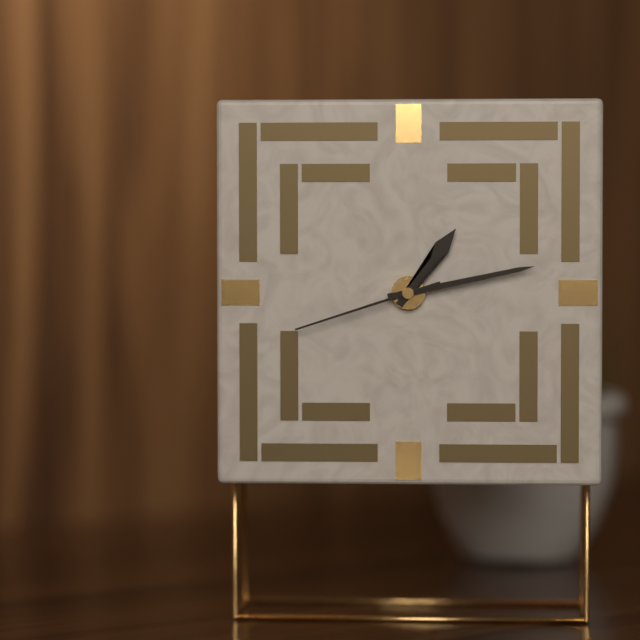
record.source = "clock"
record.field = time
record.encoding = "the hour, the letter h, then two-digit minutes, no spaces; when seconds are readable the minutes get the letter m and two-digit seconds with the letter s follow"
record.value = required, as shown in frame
1h13m42s
